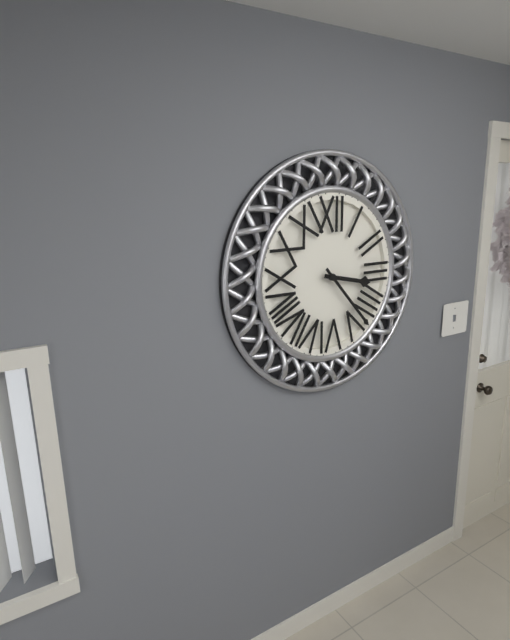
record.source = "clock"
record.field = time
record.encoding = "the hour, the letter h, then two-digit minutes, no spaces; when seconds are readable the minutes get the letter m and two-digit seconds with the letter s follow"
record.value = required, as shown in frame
3h23
